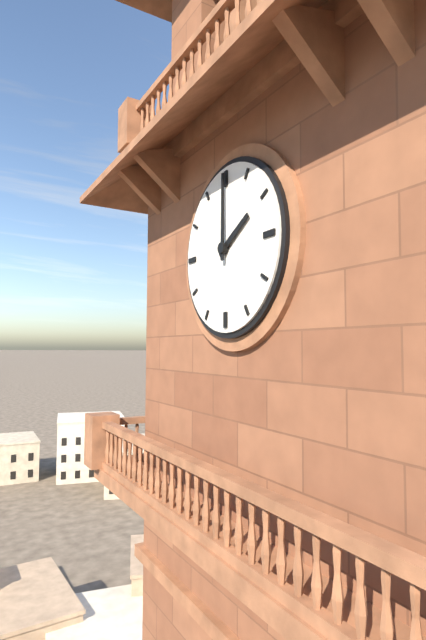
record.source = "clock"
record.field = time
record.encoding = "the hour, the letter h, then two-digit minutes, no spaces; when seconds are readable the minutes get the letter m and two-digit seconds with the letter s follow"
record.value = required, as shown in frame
2h00
